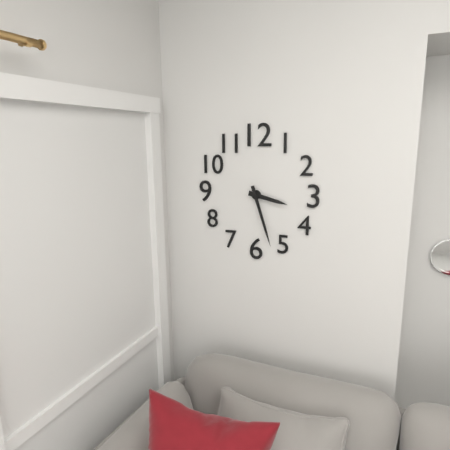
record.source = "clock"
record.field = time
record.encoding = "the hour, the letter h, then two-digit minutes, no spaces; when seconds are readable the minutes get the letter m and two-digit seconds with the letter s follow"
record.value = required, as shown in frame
3h27
